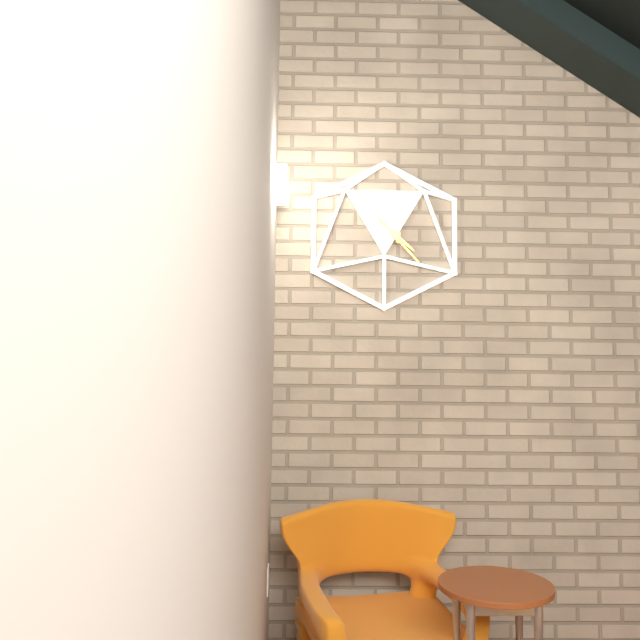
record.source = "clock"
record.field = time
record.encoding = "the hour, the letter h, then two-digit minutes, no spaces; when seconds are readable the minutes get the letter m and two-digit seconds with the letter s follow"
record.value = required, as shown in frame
4h23
